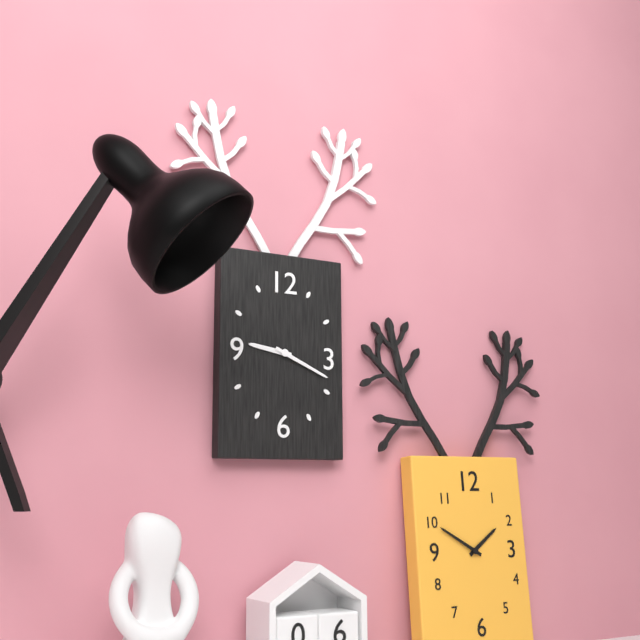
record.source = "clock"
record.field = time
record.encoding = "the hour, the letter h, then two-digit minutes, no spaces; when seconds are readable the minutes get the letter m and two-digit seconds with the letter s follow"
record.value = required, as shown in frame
9h19
